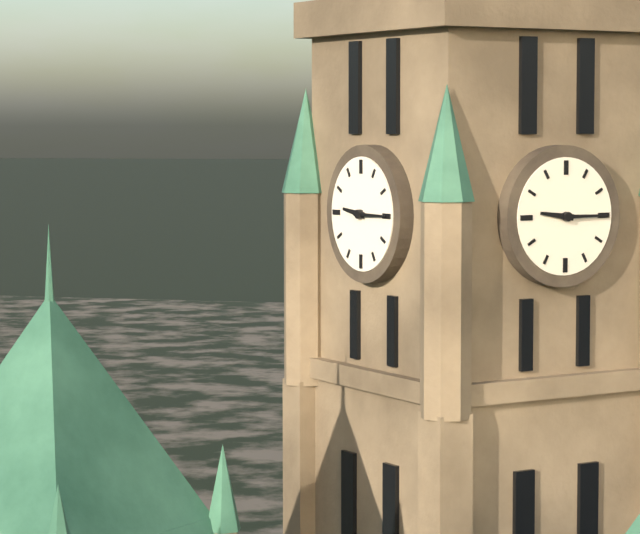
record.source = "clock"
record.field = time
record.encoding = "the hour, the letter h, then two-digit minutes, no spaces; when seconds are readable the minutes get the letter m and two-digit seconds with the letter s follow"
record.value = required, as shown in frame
9h15
